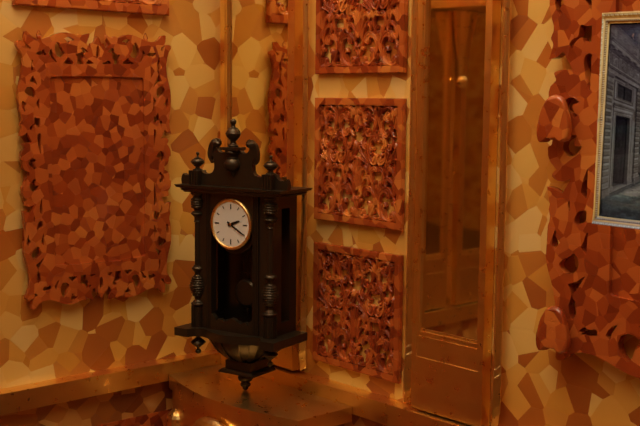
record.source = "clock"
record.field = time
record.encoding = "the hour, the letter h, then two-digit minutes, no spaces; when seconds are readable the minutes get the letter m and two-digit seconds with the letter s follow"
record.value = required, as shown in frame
2h20
